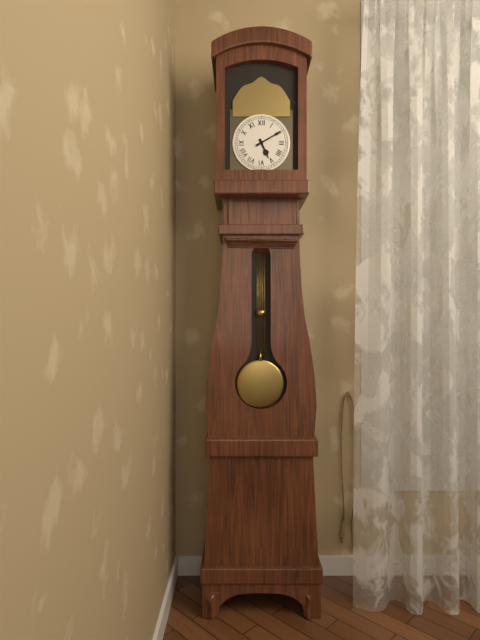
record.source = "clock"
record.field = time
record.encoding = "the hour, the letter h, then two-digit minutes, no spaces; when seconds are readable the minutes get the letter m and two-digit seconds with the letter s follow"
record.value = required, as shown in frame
5h10
